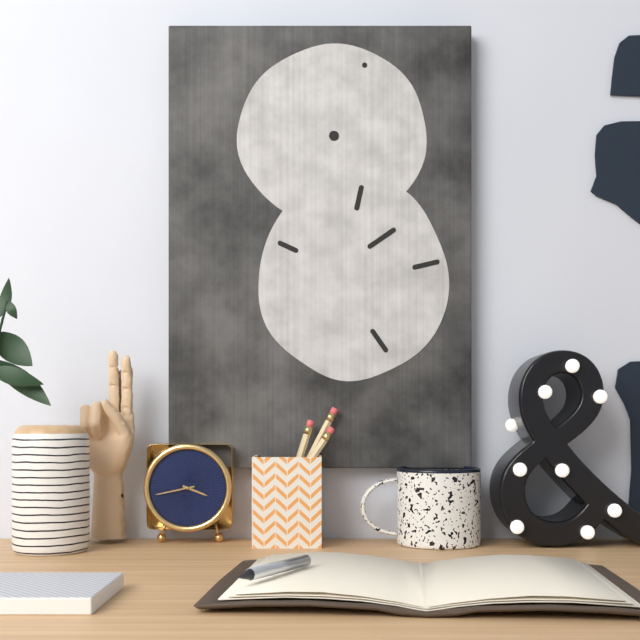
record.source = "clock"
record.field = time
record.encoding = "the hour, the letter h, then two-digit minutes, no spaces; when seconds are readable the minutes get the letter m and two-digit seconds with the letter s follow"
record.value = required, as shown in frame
3h43
